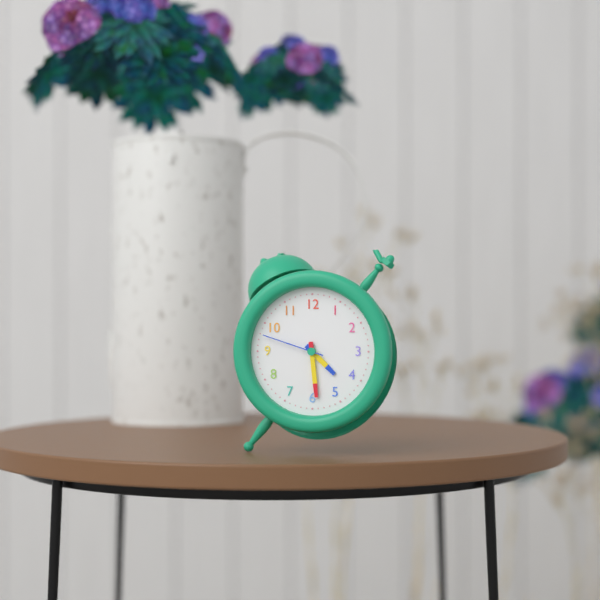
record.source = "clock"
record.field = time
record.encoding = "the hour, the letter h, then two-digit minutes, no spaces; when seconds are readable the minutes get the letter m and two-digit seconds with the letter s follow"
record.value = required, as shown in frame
4h29m48s
